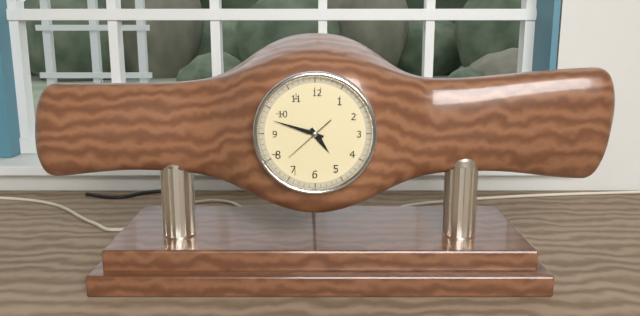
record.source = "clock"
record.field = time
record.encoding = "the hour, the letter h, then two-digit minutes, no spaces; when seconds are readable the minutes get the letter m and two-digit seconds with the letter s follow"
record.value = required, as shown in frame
4h48
